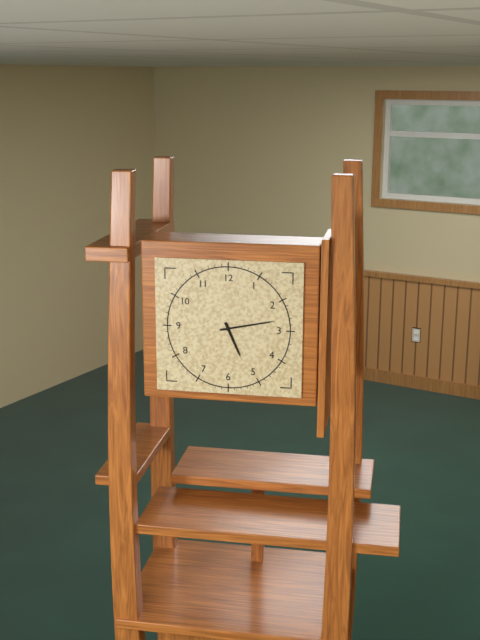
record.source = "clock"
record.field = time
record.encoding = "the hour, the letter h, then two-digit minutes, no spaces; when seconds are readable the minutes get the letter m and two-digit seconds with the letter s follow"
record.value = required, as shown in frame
5h13
